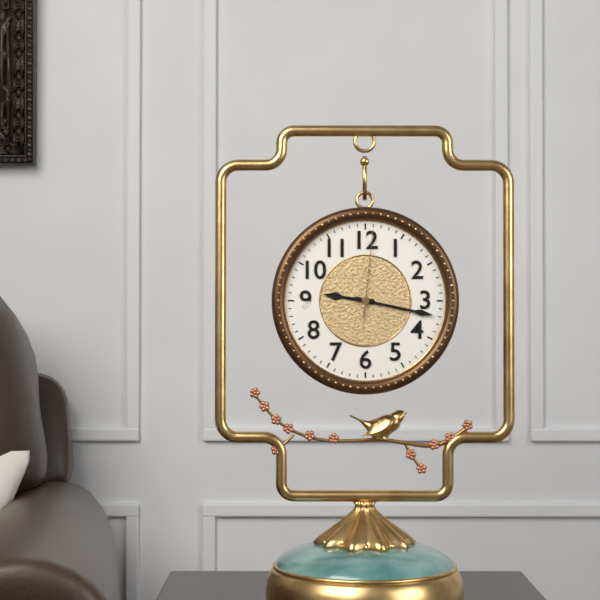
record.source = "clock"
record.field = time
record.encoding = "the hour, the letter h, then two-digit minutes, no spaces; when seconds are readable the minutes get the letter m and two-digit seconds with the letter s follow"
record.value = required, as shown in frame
9h17m01s
